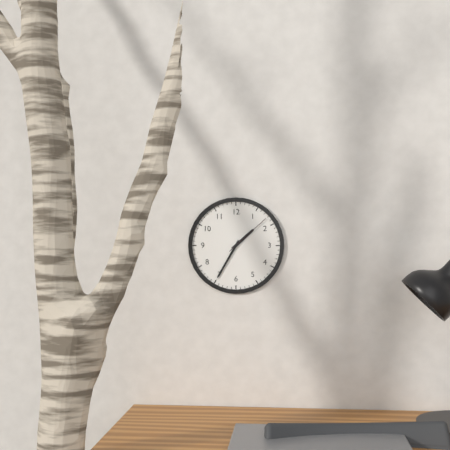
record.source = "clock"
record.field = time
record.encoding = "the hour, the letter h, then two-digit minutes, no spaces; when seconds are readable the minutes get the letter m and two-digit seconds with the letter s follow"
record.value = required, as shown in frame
1h35m08s
